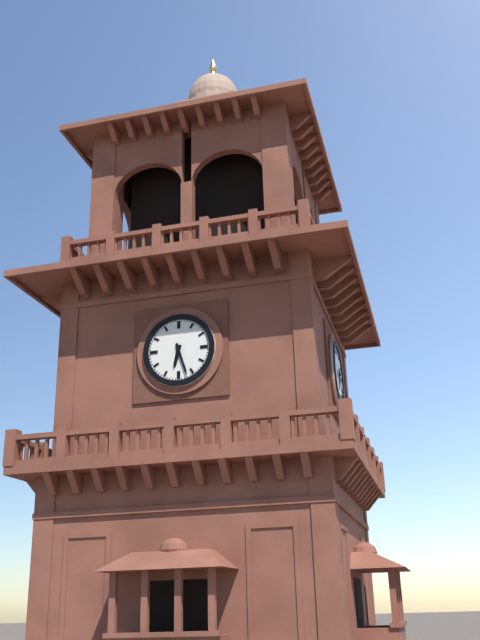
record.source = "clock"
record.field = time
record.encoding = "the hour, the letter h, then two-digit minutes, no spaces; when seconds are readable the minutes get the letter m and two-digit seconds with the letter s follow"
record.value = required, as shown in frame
6h27
